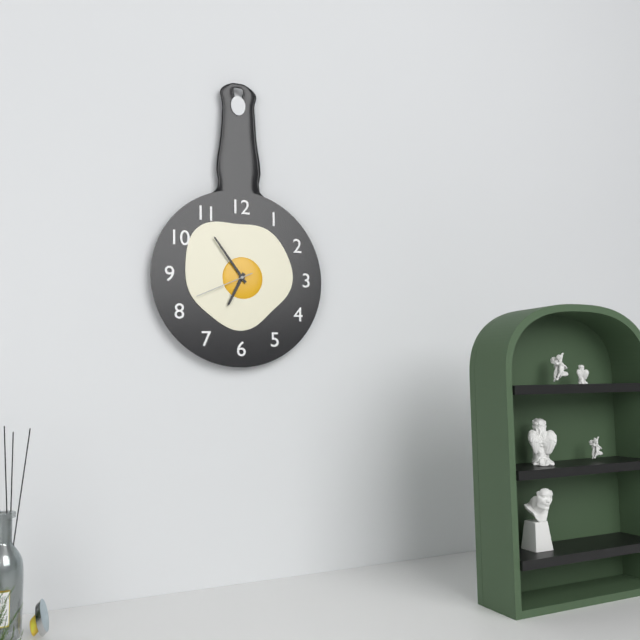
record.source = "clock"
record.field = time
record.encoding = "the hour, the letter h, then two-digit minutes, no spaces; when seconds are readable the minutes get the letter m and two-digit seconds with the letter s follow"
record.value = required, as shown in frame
6h54m41s
